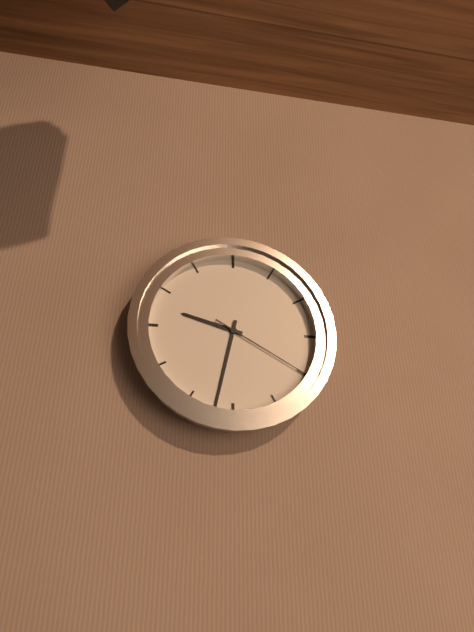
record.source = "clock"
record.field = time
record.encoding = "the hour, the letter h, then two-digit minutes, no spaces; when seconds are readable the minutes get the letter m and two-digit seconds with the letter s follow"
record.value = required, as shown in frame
9h32m20s
